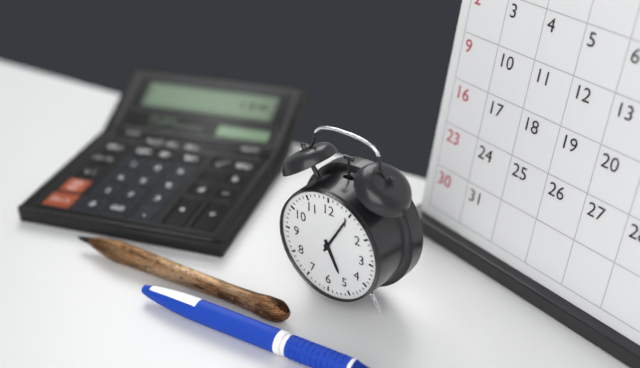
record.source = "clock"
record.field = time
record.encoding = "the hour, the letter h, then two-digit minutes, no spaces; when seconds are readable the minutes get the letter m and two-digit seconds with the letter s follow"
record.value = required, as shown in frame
5h05
